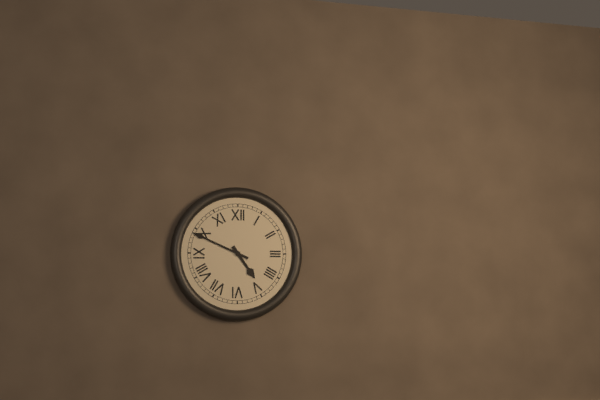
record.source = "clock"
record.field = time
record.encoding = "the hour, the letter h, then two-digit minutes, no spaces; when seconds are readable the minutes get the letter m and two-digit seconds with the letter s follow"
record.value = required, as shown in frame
4h49
